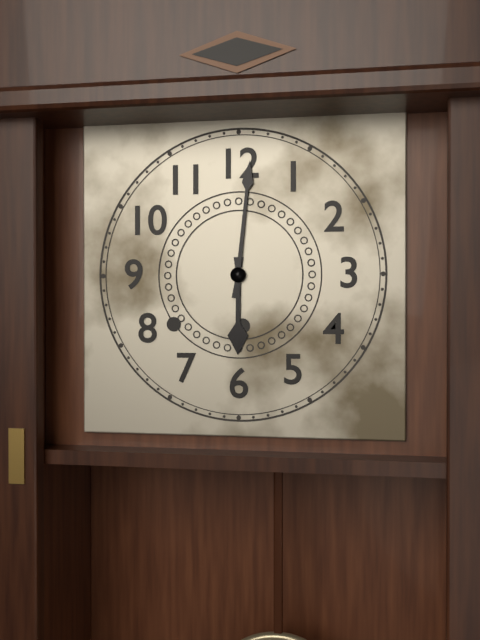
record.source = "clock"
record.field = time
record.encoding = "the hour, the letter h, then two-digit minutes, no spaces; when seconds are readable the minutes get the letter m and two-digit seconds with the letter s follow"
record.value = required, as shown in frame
6h01
